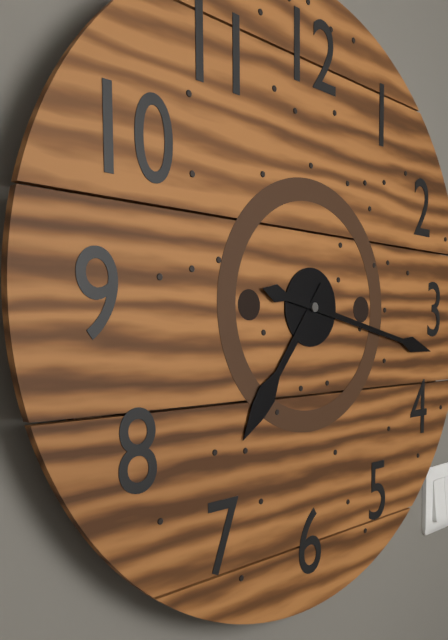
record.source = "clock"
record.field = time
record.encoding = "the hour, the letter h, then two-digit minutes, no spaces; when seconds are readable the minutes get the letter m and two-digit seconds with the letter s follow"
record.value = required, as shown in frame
7h17
